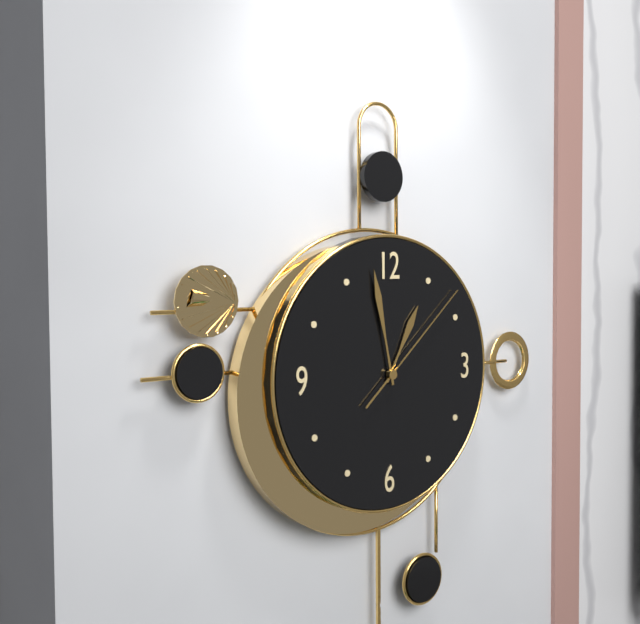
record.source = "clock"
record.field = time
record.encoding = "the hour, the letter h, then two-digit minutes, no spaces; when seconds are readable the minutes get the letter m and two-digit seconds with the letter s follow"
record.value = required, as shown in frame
12h58m08s
